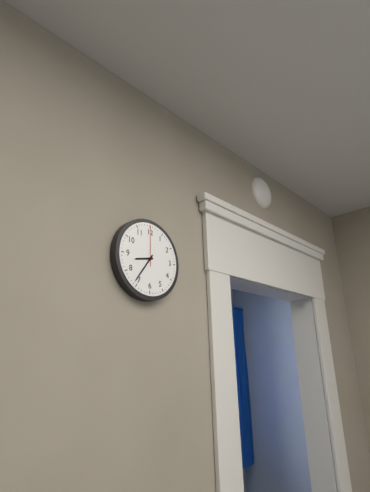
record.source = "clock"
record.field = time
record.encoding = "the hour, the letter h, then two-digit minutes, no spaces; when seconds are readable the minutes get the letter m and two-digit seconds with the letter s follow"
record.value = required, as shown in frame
8h36
